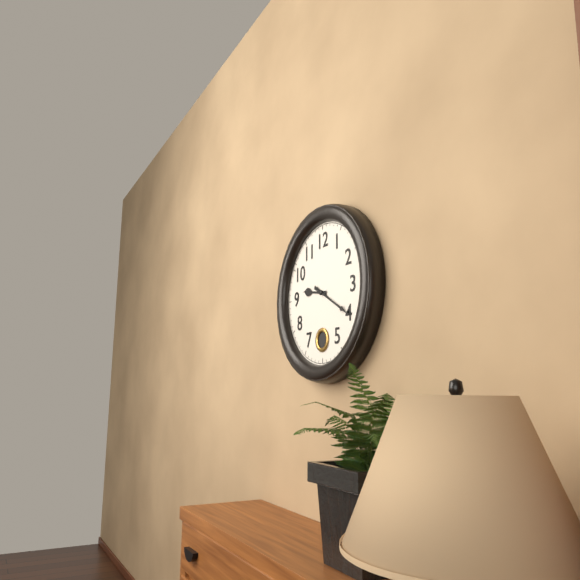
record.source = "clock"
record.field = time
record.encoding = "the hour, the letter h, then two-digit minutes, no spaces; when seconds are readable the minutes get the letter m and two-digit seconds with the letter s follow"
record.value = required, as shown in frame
9h20
